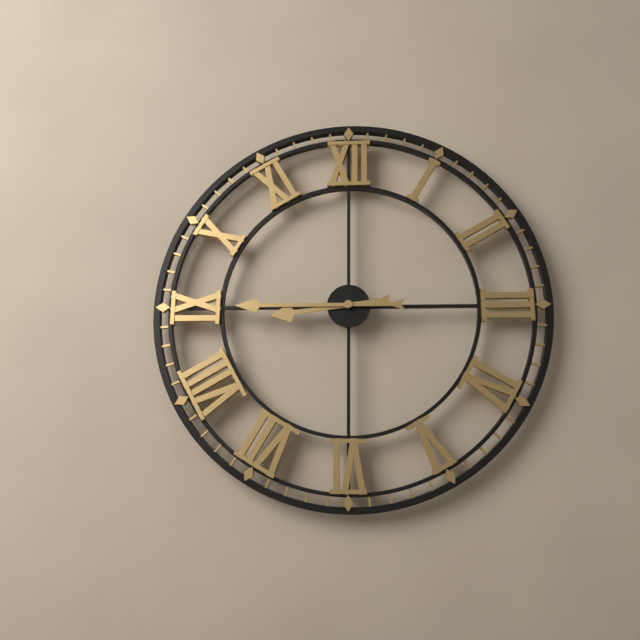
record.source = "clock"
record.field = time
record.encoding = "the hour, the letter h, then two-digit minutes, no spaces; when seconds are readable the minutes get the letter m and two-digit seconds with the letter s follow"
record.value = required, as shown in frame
8h45
